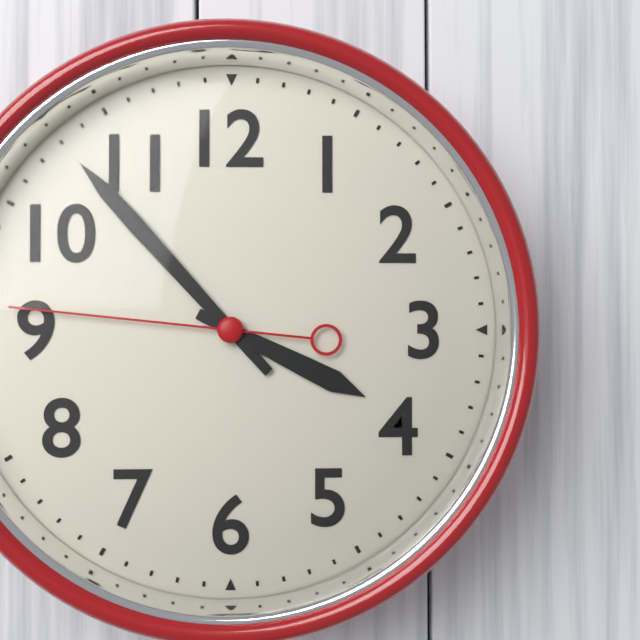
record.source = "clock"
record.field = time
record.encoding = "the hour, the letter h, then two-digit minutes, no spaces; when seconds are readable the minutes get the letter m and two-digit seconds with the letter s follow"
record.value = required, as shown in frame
3h53m46s
